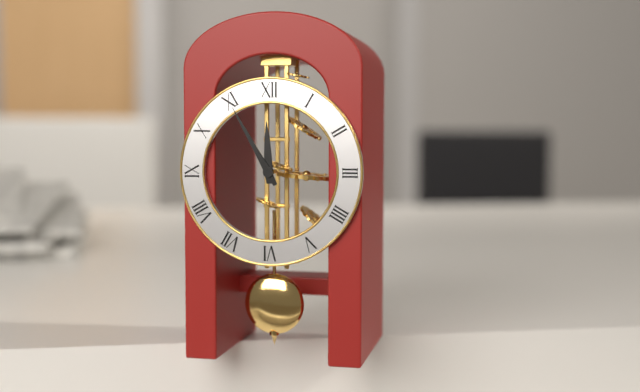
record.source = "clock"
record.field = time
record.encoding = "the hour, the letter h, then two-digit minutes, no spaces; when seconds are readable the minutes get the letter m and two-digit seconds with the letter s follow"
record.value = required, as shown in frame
11h55
